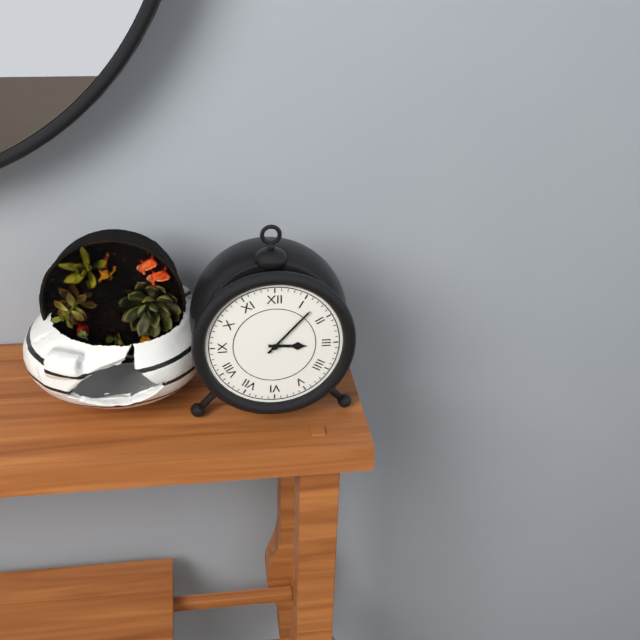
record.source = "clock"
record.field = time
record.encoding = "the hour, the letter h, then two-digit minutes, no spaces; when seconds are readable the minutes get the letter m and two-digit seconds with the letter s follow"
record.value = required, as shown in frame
3h07
